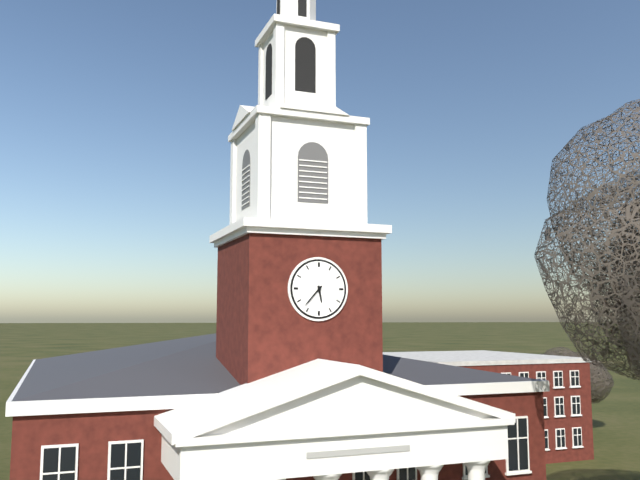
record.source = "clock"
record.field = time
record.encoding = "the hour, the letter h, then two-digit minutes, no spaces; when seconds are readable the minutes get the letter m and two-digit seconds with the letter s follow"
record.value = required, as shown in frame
5h37
